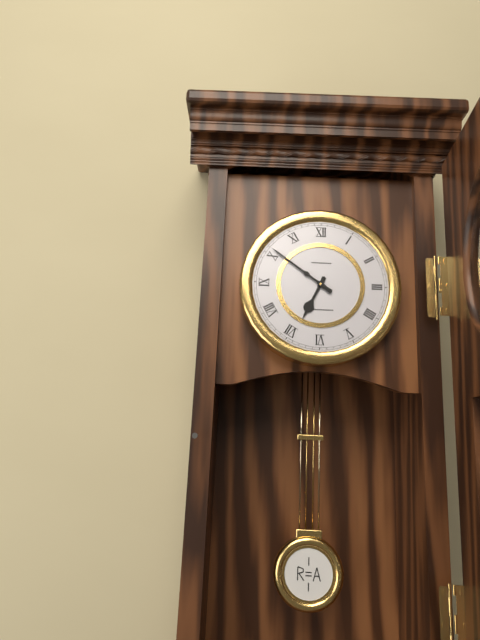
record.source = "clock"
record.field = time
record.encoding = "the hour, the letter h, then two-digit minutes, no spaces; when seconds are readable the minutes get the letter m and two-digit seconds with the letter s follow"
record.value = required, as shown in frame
6h51
